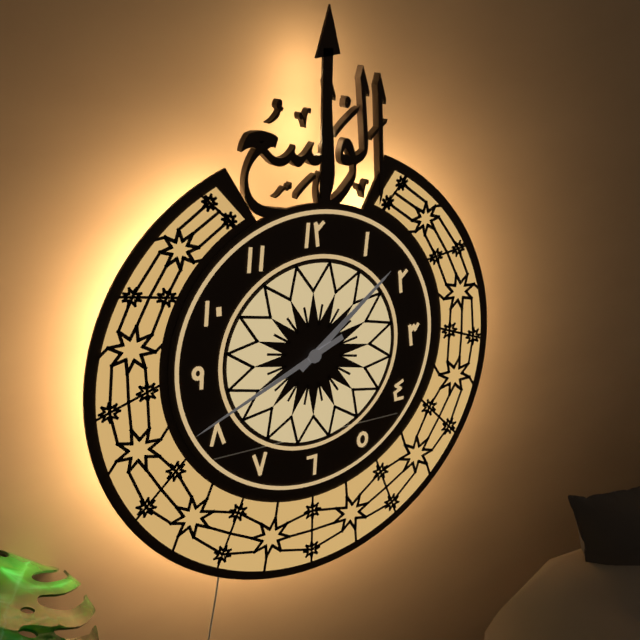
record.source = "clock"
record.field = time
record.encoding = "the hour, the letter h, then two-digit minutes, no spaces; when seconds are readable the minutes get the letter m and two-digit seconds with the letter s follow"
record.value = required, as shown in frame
1h41
